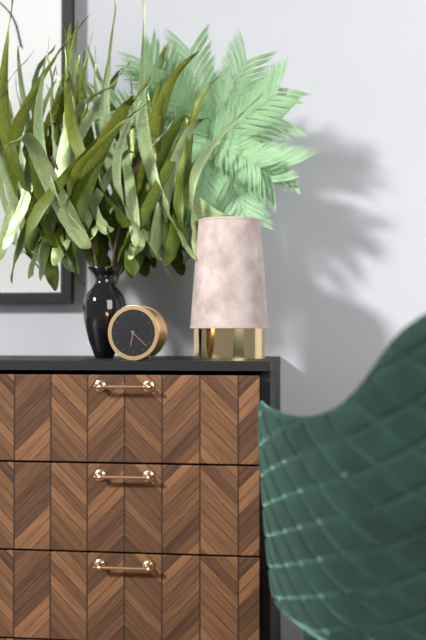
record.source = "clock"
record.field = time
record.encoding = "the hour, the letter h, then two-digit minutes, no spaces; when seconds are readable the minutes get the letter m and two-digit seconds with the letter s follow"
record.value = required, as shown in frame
6h22
